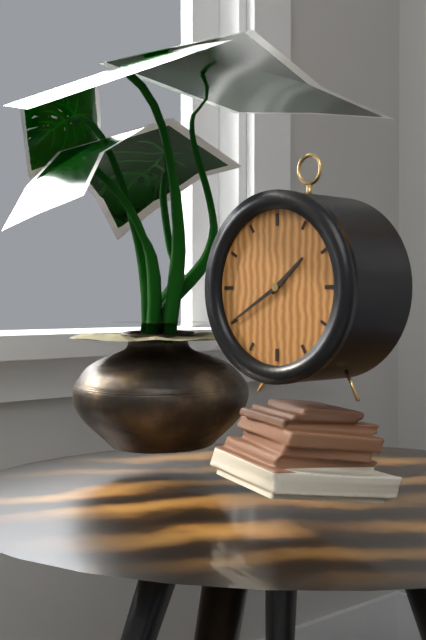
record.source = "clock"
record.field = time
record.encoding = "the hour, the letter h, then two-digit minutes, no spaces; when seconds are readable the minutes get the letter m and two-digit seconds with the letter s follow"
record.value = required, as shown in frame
1h40
